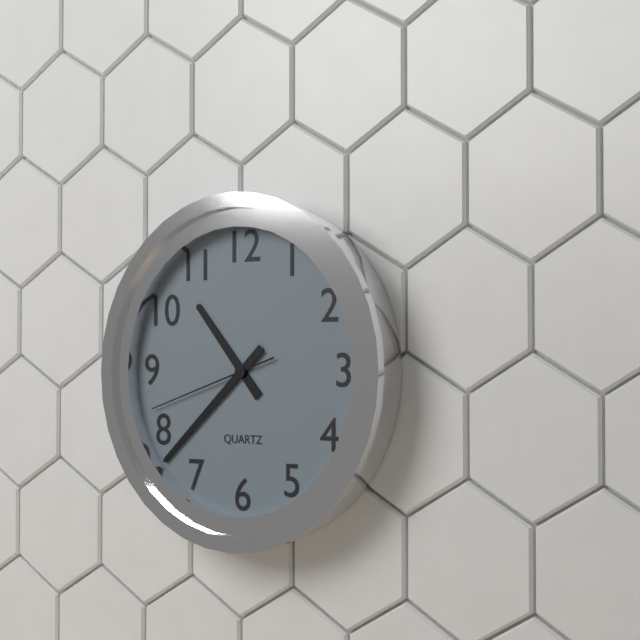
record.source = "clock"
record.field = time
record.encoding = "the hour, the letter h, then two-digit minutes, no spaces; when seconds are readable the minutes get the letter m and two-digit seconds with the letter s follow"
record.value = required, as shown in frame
10h38m42s
